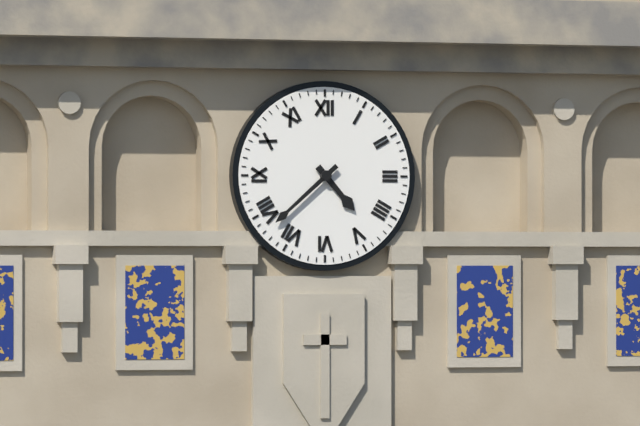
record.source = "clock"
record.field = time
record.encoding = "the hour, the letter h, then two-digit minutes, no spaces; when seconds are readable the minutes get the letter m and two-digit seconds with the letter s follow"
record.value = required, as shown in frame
4h38
